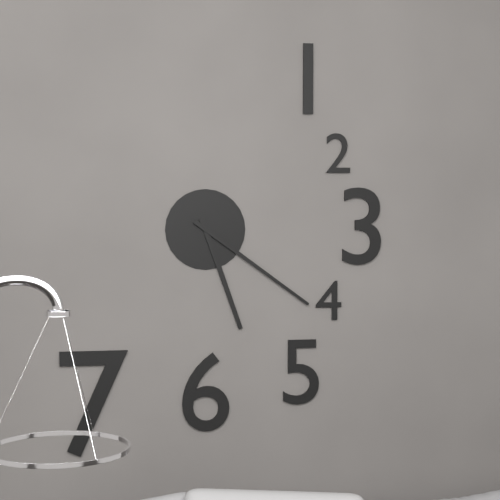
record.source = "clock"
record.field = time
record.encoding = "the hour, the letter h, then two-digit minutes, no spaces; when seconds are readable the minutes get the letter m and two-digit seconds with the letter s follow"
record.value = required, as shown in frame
5h21
